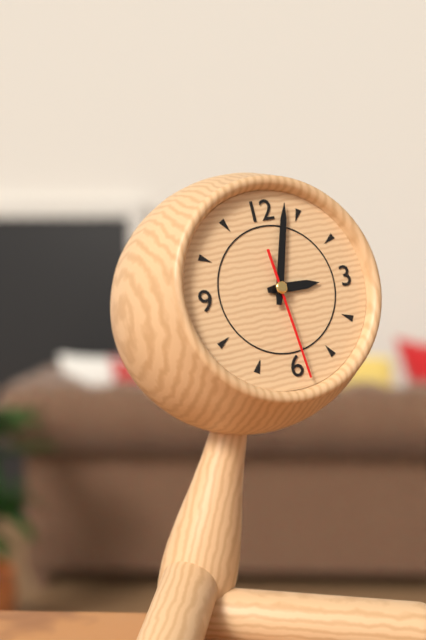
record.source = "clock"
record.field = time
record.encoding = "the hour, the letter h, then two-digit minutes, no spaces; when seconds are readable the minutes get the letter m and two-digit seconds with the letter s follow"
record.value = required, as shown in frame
3h03m29s
